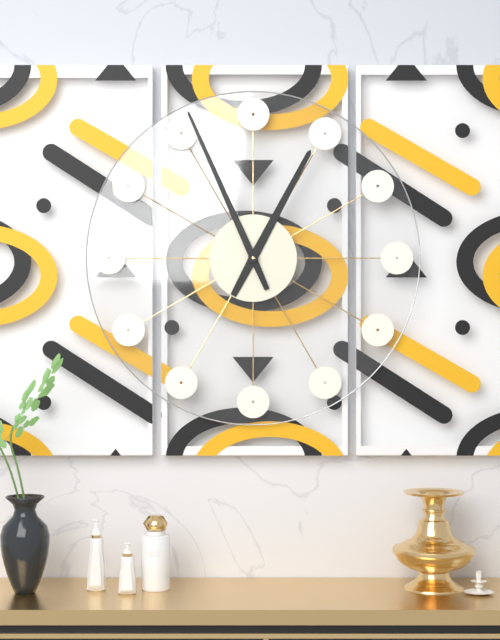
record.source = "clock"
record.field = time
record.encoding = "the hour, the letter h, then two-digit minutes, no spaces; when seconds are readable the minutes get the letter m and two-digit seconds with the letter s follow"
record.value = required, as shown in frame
12h56
